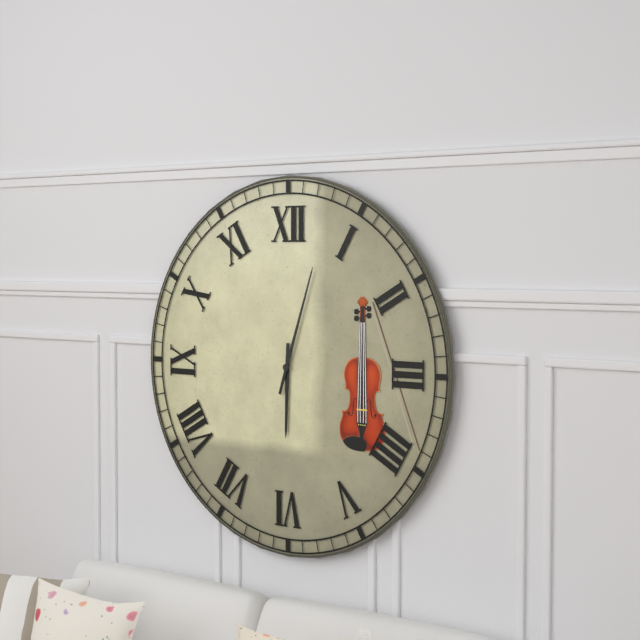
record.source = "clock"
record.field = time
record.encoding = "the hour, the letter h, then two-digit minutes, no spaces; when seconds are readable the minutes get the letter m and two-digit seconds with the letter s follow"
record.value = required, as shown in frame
6h03
